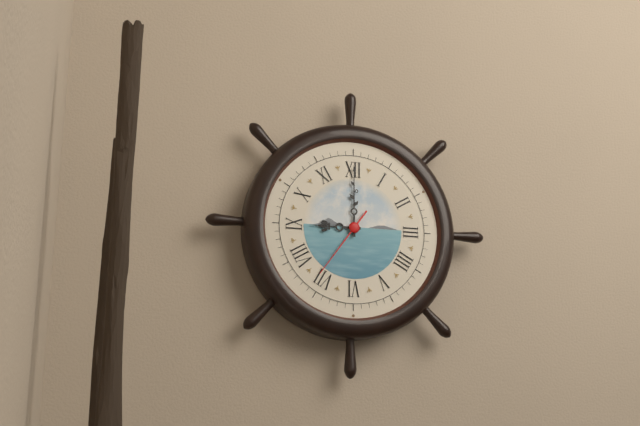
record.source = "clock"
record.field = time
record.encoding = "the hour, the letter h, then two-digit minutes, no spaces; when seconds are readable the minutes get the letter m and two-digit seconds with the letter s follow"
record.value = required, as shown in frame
9h00m36s
